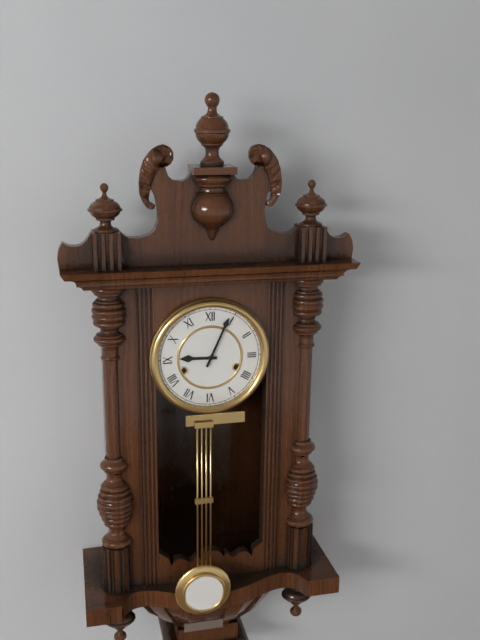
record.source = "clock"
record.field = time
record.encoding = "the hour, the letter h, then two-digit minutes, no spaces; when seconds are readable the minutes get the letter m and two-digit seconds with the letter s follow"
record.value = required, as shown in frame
9h04
